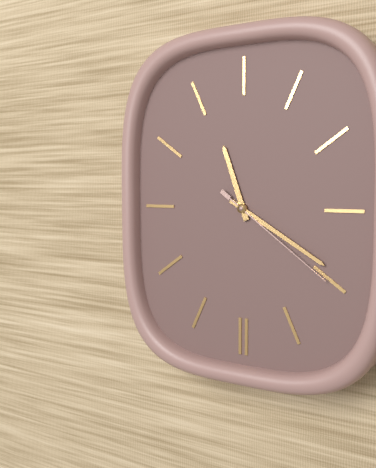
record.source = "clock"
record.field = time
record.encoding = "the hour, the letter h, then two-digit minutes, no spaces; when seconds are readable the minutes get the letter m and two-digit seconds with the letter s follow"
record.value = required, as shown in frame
11h20m21s
